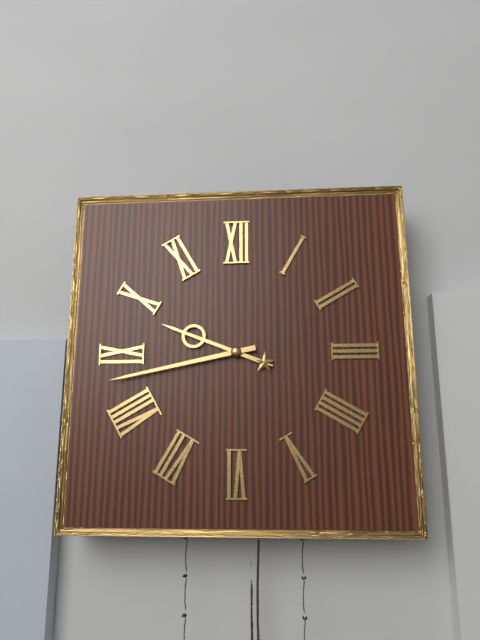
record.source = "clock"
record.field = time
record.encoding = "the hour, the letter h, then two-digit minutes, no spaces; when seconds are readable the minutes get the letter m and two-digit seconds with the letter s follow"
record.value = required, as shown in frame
9h43
